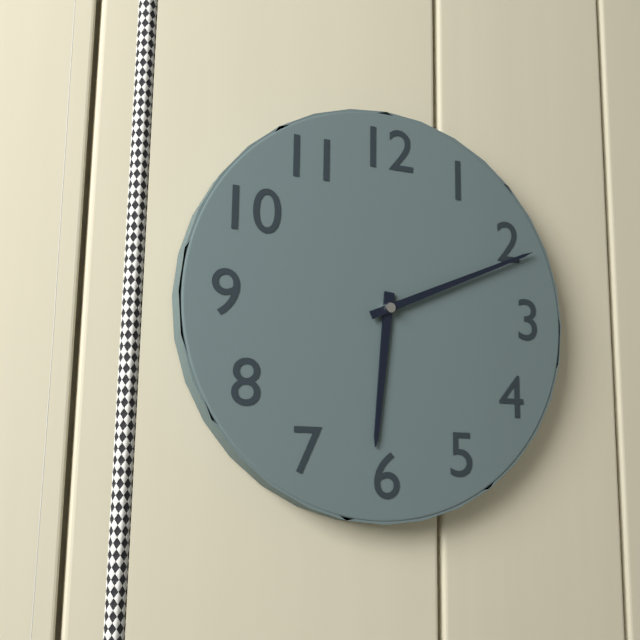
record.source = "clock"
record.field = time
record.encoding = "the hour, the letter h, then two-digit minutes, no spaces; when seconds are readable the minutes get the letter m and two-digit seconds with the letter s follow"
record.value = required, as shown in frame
6h11
